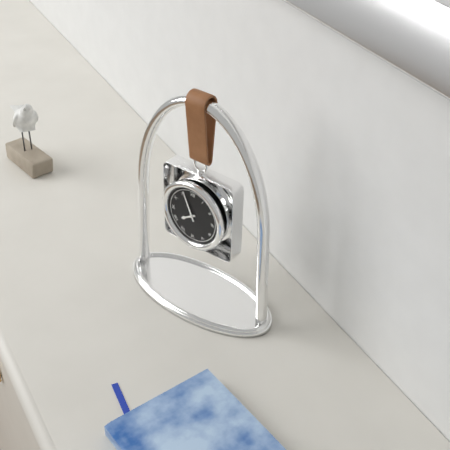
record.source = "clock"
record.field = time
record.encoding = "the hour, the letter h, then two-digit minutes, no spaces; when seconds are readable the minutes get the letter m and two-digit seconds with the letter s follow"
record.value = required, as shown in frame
7h56
